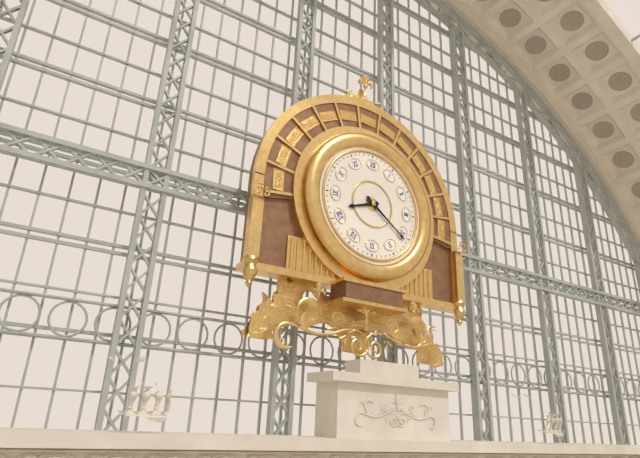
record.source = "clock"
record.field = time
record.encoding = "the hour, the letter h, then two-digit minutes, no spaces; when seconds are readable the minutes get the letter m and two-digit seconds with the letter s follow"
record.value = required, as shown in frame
8h21
